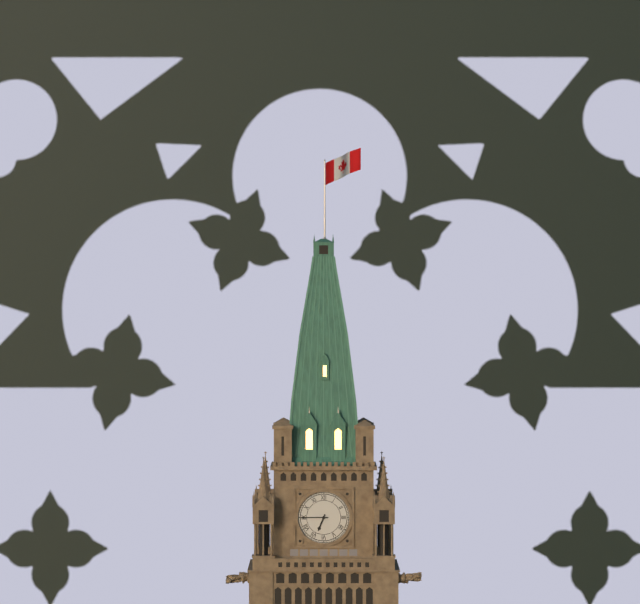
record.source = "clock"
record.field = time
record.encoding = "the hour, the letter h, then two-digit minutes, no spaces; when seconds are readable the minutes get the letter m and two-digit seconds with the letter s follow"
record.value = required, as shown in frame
6h45
